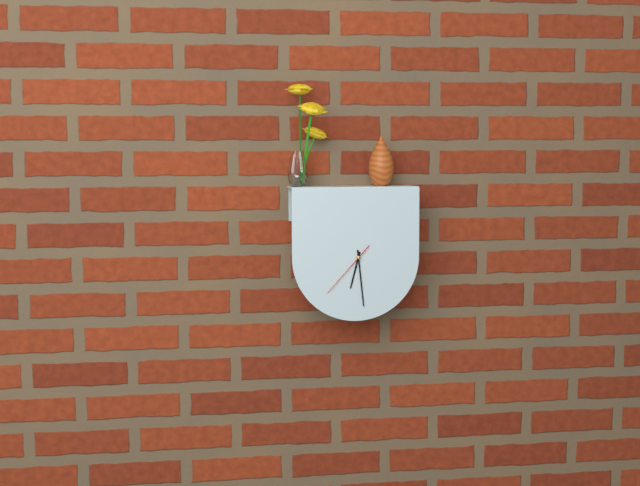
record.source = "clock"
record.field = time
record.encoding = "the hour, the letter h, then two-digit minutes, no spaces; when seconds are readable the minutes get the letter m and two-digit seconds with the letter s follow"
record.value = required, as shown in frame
6h29m37s
